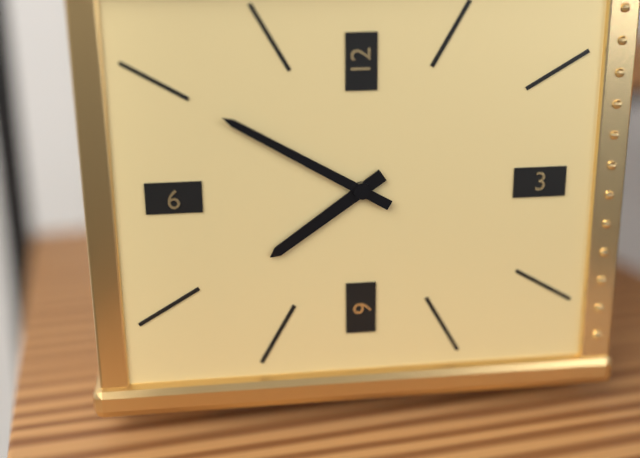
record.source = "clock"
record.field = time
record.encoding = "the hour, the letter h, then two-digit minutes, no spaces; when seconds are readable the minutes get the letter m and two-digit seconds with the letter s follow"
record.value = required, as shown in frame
7h50
